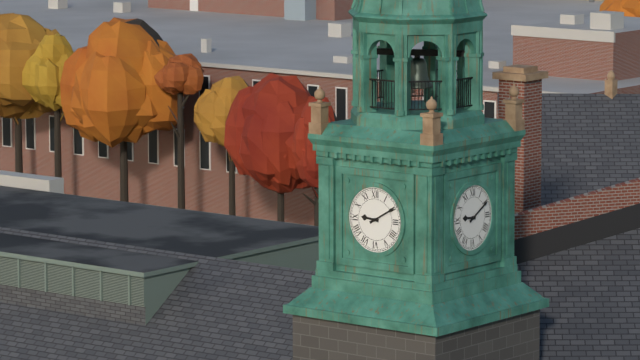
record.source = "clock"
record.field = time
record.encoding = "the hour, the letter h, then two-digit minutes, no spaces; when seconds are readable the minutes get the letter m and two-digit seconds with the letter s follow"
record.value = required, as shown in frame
9h10
